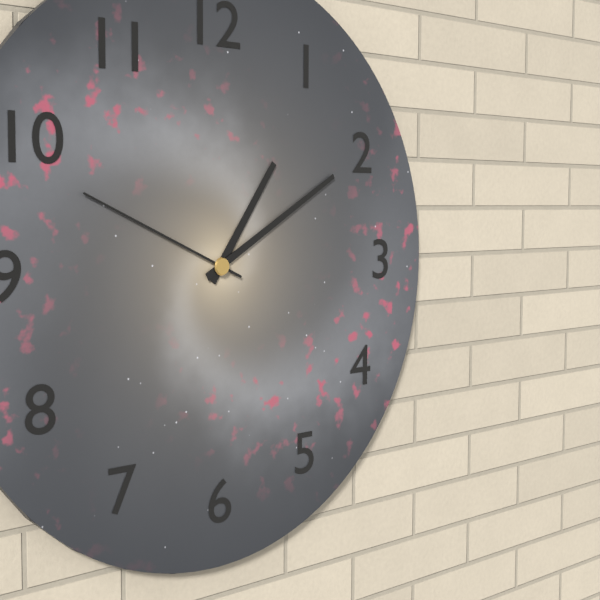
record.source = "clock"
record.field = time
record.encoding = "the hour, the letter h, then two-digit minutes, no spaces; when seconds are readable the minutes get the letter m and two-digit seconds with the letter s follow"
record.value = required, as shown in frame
1h10m49s
